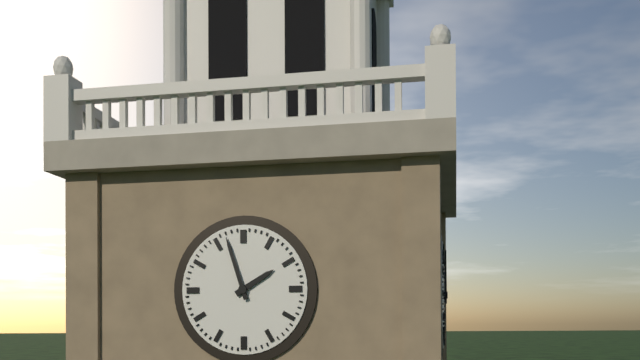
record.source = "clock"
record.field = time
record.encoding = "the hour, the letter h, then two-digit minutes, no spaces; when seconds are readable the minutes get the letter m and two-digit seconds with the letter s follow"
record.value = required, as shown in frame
1h57
